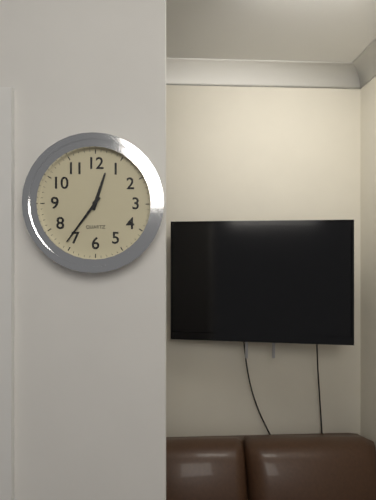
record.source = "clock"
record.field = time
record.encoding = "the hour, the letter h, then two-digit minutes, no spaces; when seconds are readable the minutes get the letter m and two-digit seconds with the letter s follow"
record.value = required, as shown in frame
12h36
